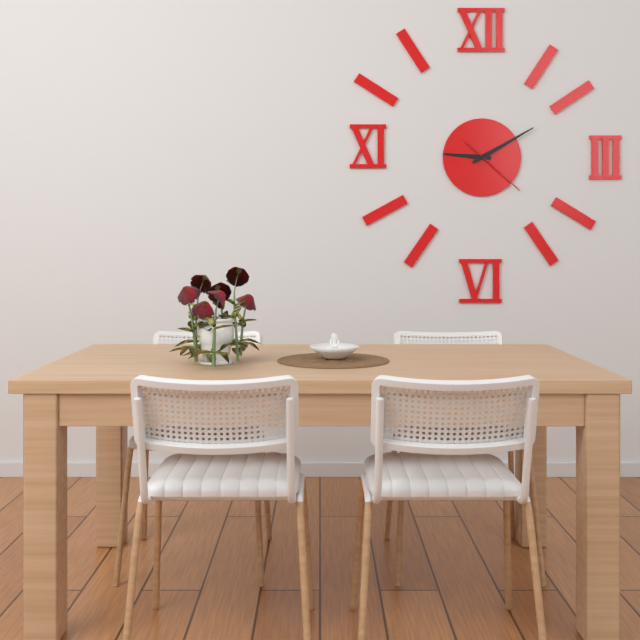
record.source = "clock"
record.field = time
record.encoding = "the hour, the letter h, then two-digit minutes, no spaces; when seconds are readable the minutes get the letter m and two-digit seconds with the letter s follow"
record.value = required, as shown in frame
9h10m22s
